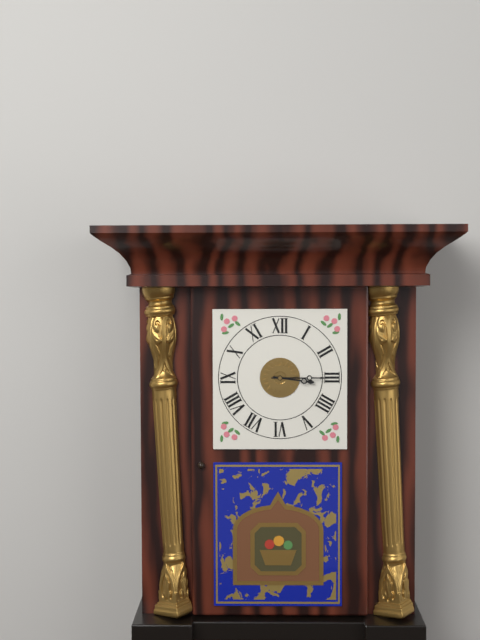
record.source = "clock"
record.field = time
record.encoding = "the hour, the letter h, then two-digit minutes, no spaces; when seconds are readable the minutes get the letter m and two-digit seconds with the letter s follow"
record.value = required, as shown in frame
3h15
